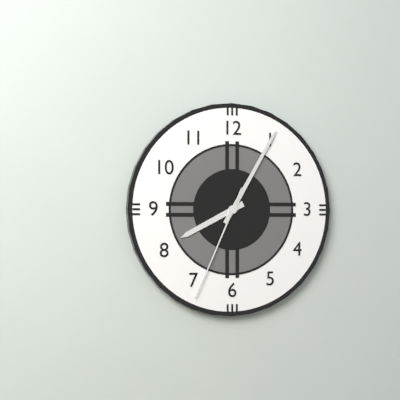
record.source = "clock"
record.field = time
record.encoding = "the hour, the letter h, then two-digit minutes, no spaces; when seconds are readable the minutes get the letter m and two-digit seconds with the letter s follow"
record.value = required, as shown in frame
8h05m34s
